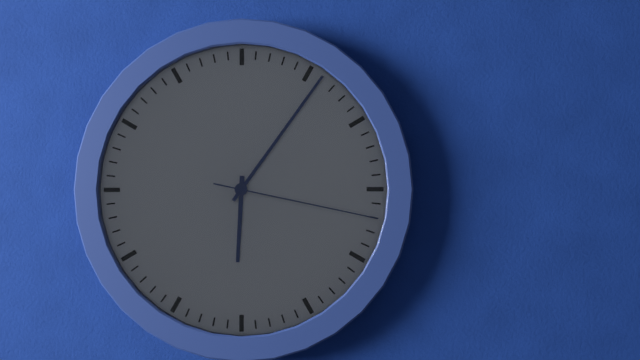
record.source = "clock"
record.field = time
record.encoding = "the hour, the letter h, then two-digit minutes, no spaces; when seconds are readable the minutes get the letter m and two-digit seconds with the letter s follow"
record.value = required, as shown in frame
6h06m17s
